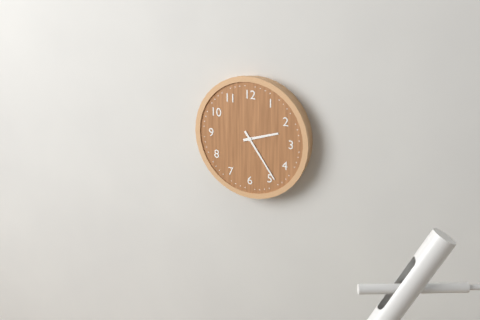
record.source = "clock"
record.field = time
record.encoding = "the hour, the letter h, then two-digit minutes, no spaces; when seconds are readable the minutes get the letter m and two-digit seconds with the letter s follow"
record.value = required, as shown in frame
2h24
